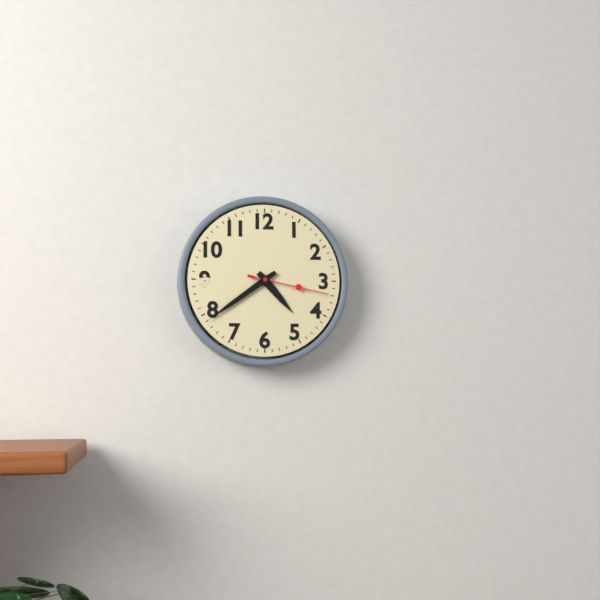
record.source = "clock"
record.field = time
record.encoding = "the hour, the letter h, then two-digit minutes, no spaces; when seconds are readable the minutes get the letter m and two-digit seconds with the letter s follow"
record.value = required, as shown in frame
4h39m17s
